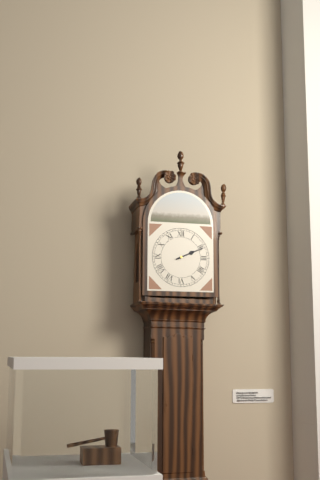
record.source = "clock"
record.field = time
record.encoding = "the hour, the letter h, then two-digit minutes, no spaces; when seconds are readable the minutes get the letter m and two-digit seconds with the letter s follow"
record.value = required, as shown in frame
2h11
